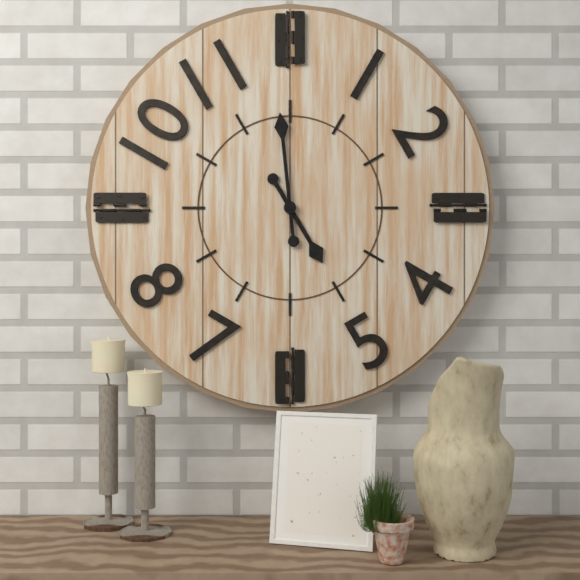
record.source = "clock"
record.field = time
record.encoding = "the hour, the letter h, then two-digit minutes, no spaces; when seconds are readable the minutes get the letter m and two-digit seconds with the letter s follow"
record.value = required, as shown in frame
4h59
